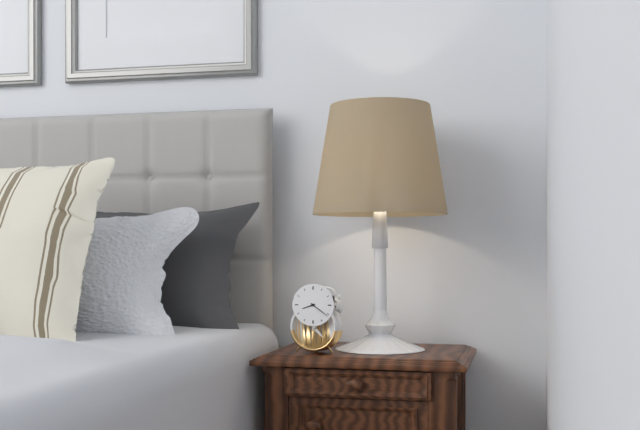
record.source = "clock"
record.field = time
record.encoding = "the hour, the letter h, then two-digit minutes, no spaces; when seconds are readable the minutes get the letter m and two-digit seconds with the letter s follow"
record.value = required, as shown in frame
8h21
